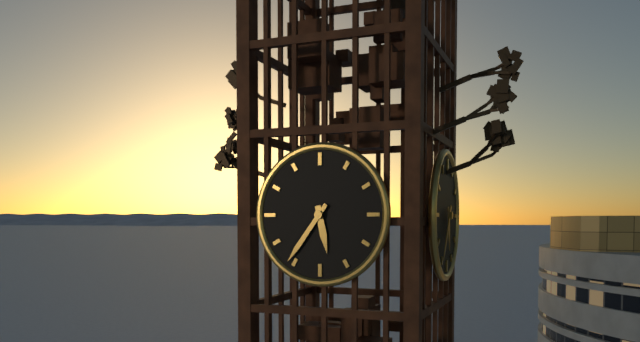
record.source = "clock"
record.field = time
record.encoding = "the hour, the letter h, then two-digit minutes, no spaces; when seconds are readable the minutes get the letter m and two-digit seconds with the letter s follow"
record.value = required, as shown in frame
5h36
